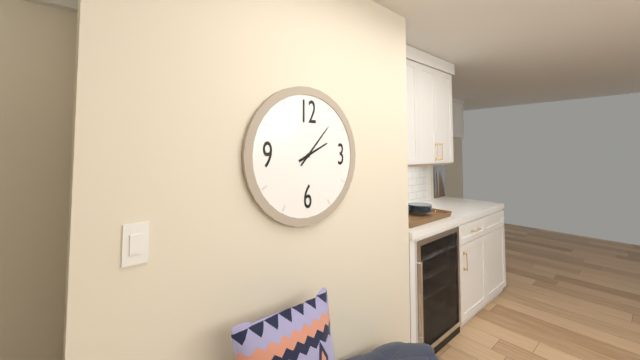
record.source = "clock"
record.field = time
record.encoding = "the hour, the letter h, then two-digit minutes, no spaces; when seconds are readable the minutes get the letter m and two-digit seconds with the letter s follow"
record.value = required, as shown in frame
2h07
